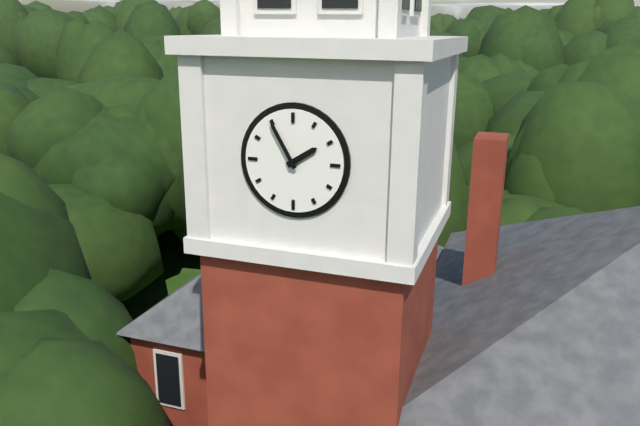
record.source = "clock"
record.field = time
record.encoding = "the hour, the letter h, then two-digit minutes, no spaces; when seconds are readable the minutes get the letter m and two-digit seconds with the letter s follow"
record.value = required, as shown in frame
1h55
